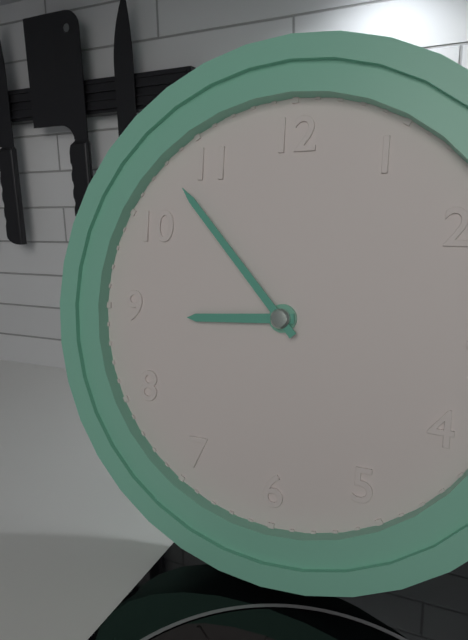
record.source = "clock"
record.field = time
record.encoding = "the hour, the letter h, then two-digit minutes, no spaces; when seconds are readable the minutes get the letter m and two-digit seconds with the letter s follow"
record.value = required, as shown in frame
8h53
